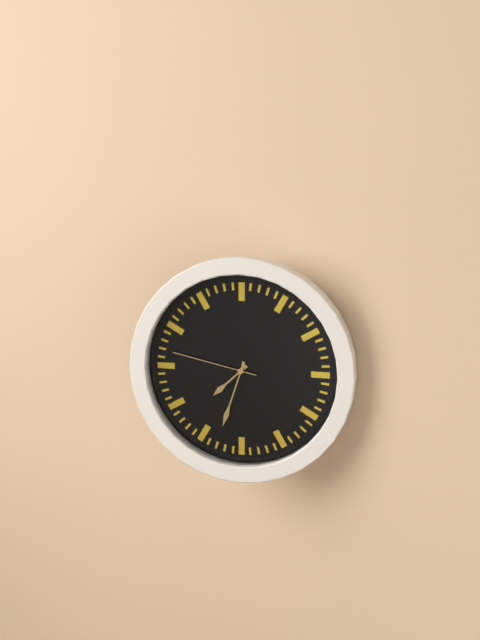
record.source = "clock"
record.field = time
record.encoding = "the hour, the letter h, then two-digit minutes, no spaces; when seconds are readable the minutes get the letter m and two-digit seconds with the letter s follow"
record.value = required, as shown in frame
7h33m47s
